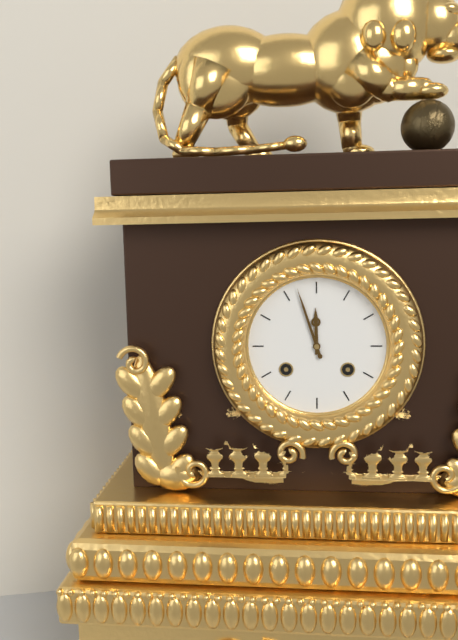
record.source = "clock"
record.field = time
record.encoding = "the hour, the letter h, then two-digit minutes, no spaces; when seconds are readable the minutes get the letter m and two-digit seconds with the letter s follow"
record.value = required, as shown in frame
11h57
